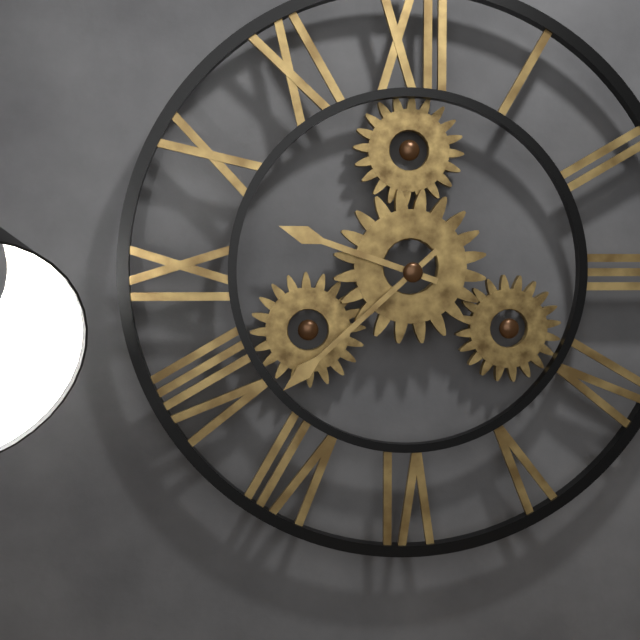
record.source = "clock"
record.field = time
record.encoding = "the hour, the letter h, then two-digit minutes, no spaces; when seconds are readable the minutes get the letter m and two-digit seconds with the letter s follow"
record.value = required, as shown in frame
9h38
